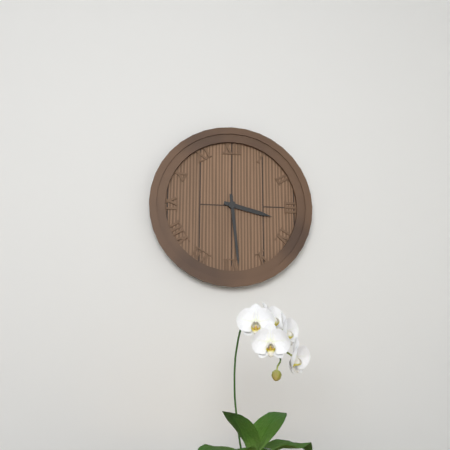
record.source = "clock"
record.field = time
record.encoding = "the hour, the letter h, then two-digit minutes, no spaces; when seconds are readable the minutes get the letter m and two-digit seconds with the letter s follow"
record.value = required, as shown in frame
3h29
